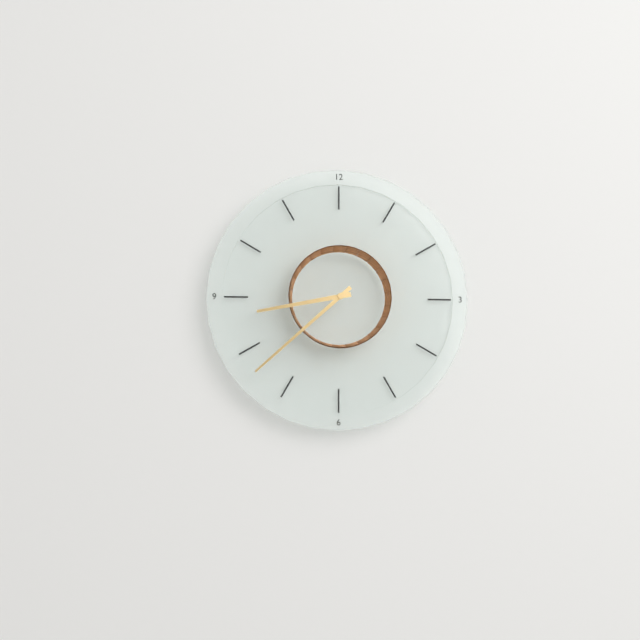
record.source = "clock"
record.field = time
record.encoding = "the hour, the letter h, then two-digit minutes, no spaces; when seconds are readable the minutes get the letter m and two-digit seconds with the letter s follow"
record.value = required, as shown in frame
8h38
